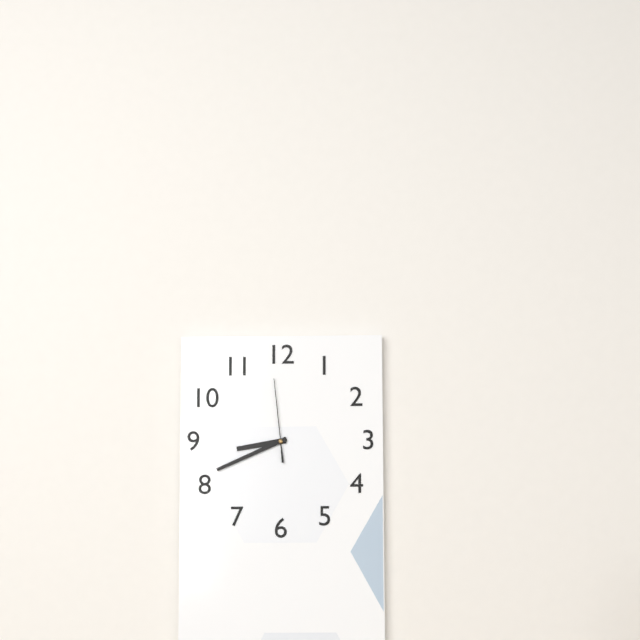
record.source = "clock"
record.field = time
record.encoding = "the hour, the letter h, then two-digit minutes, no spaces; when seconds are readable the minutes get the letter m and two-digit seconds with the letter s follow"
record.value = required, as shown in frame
8h41m59s
